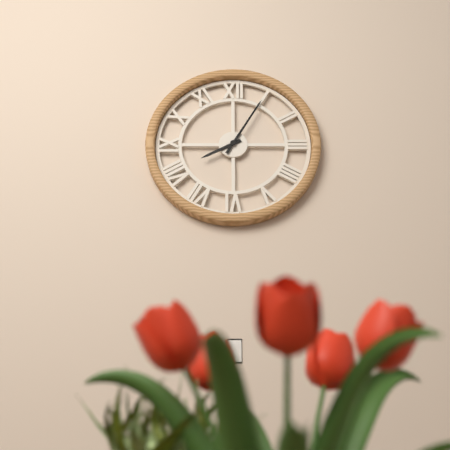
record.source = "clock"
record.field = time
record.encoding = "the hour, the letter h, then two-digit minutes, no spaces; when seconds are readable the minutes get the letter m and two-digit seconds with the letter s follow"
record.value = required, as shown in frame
8h05
